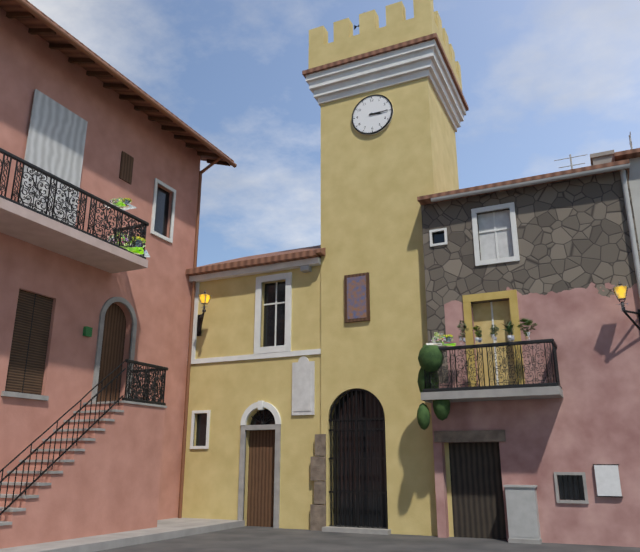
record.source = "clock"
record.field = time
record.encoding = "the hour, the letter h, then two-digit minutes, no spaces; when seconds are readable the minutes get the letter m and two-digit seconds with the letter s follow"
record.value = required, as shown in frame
3h15
